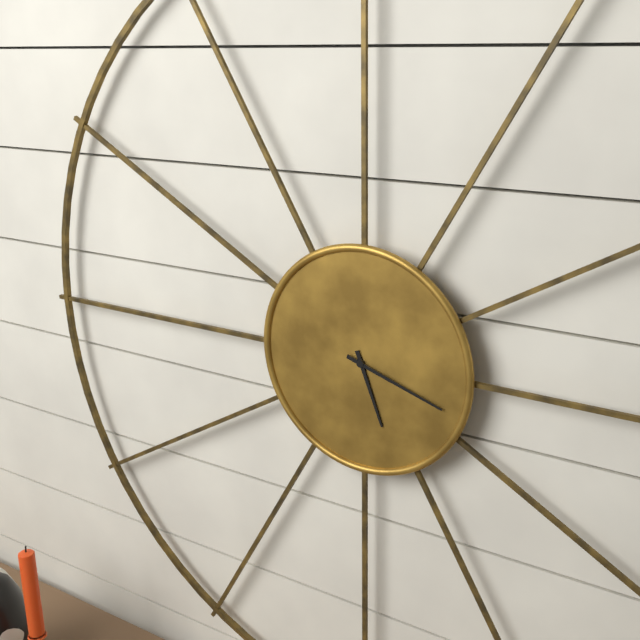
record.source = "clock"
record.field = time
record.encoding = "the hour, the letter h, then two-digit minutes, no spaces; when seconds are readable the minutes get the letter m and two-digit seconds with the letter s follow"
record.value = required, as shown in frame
5h18
